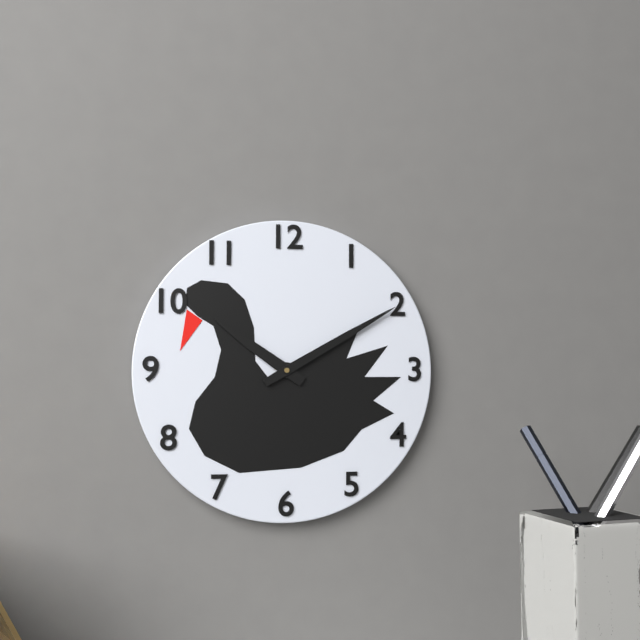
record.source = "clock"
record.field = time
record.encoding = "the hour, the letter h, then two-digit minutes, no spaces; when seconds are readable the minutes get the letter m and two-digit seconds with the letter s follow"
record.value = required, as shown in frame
10h10
